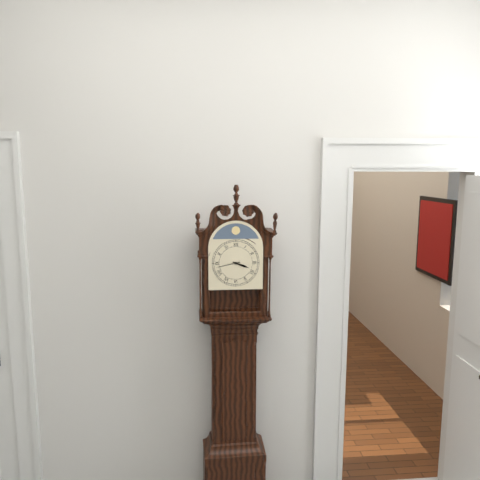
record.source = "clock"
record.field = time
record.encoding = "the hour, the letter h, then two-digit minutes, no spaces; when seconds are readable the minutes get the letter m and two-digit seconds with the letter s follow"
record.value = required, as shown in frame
3h43
